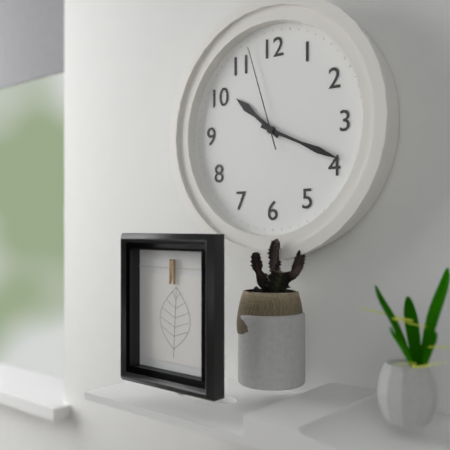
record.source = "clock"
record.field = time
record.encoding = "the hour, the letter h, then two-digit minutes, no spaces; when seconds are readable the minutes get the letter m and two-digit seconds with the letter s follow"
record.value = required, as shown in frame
10h19m57s
